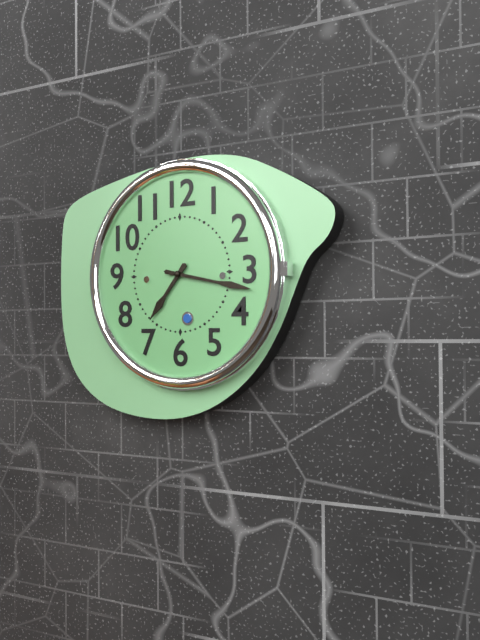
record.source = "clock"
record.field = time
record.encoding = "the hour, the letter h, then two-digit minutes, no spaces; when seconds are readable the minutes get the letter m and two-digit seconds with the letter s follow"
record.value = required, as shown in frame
7h17
